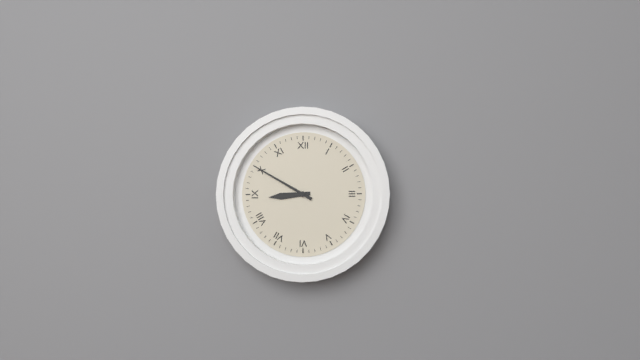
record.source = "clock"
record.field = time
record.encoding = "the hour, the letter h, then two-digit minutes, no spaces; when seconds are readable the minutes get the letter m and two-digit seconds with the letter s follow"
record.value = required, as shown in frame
8h50
